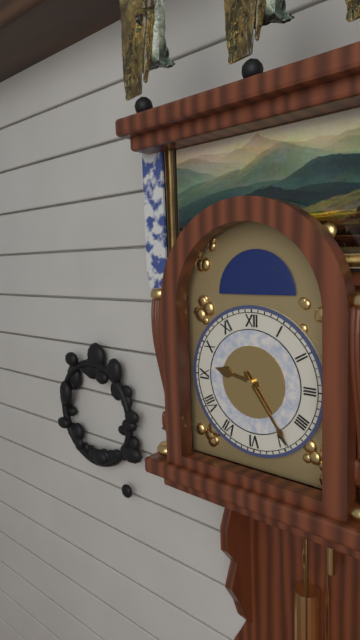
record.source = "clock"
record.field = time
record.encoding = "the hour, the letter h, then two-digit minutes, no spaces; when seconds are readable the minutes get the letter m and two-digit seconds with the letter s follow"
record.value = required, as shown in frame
9h24
